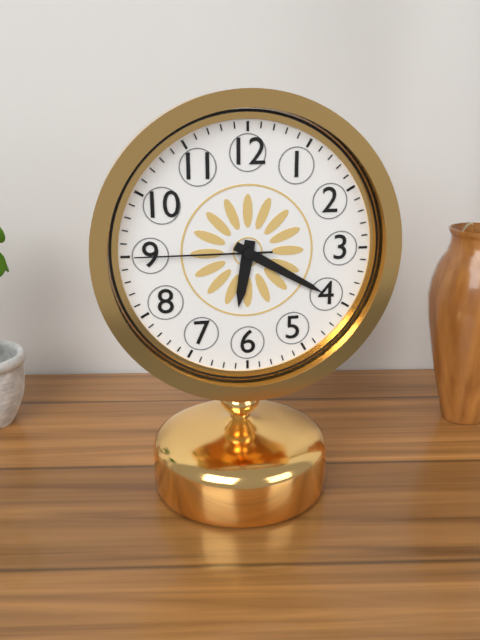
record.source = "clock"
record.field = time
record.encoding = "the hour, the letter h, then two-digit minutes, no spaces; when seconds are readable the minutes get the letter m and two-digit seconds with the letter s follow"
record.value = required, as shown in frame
6h20m45s
